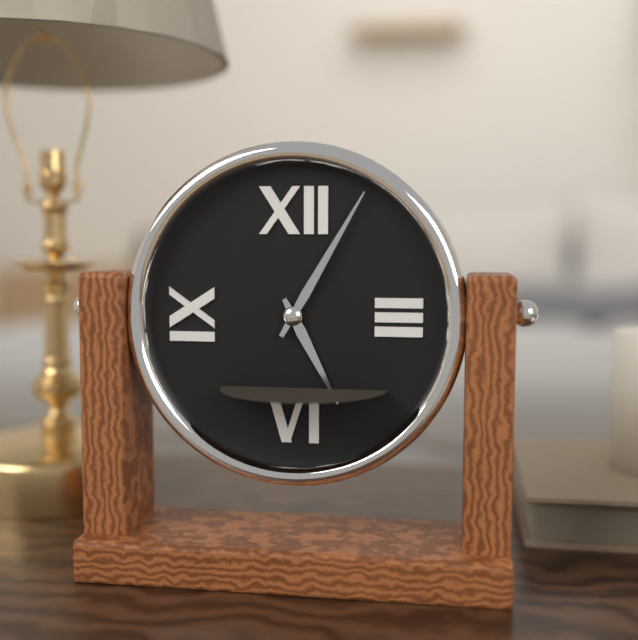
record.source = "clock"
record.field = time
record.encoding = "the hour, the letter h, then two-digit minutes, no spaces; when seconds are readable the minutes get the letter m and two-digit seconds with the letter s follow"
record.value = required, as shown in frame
5h05
